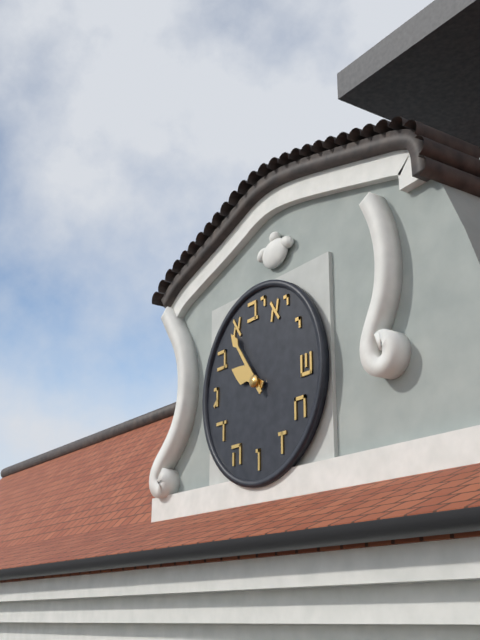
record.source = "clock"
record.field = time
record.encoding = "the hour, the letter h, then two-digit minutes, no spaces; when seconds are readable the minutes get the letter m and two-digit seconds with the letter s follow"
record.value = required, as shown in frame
9h54
